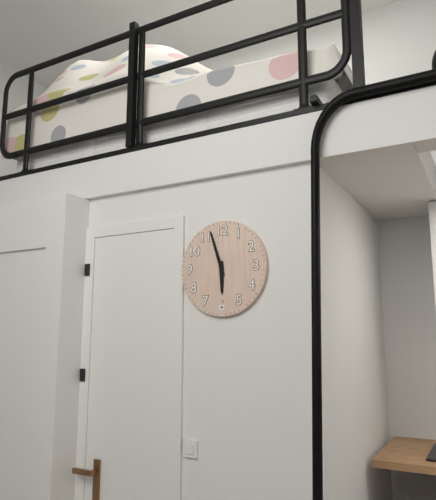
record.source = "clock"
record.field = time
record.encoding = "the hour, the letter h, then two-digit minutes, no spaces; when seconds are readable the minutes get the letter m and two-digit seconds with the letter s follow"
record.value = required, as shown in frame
5h57
